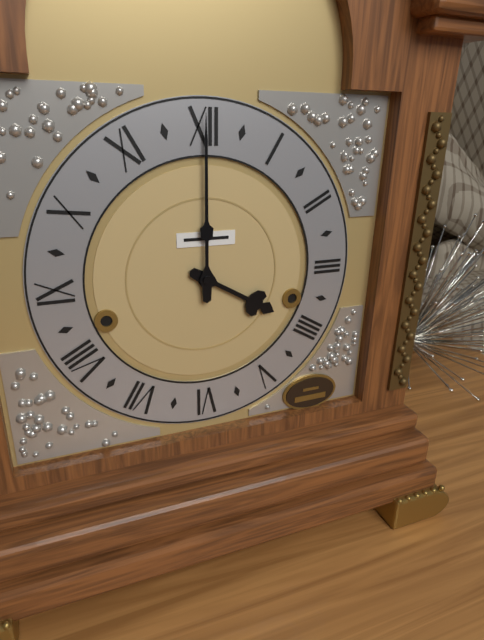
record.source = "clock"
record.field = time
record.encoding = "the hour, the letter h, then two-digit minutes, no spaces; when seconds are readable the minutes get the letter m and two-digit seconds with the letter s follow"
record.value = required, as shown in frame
4h00
